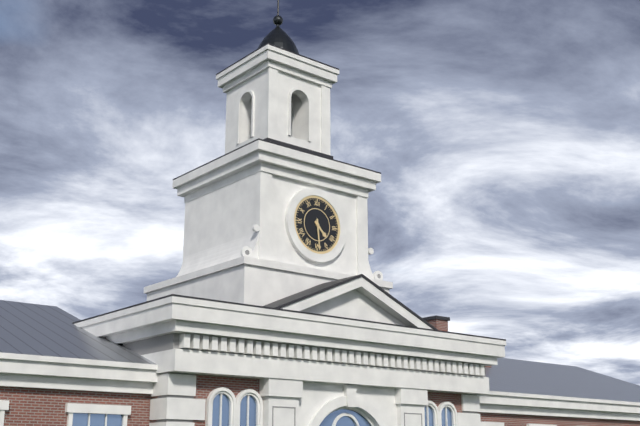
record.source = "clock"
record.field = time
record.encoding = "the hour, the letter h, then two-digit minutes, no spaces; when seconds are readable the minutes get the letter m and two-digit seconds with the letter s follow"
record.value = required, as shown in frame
4h29
